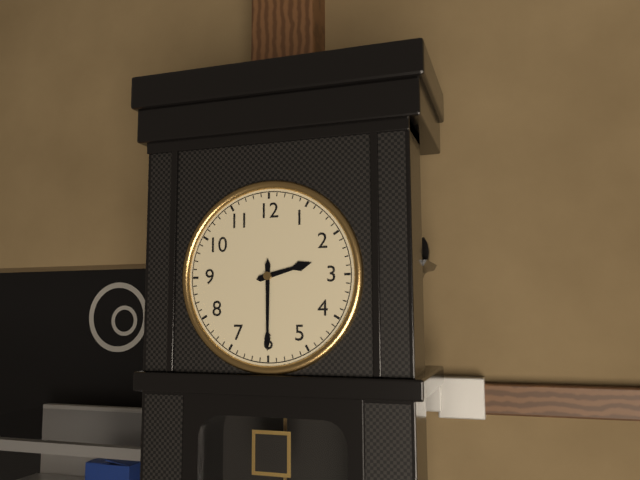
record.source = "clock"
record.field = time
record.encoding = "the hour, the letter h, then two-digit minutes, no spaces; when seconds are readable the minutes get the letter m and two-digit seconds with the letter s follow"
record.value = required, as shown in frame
2h30
